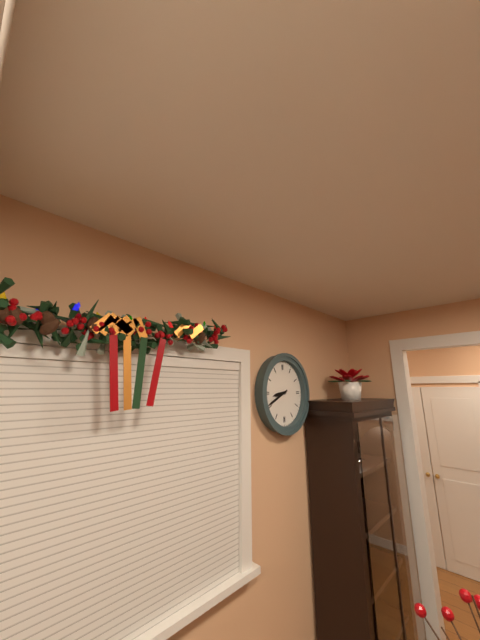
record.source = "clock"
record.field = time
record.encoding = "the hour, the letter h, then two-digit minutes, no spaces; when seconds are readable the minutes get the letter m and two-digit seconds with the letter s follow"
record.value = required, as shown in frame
8h41
